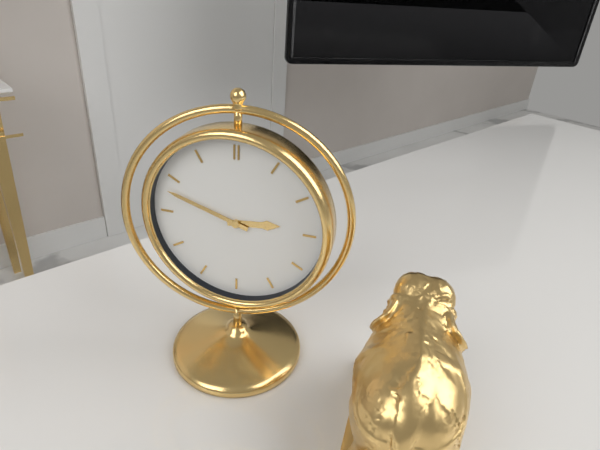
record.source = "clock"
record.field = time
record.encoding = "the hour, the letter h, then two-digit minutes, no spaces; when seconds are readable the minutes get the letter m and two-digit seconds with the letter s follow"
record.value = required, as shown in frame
2h48
